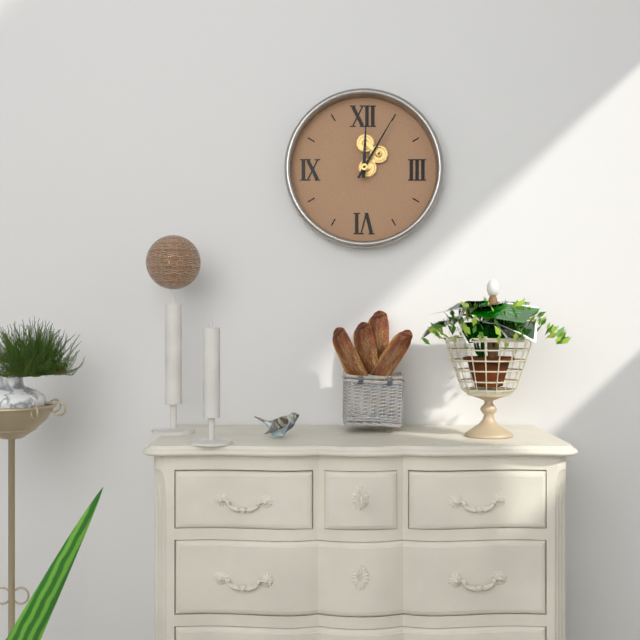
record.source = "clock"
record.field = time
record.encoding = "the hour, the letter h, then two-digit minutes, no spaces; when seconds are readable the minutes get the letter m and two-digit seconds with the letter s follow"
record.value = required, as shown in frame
12h05
